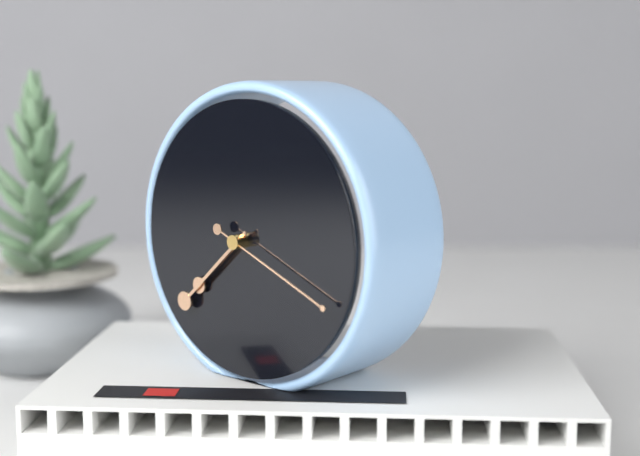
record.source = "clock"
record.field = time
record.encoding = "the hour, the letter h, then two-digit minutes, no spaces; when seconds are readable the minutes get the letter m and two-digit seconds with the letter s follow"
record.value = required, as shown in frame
7h38m19s
